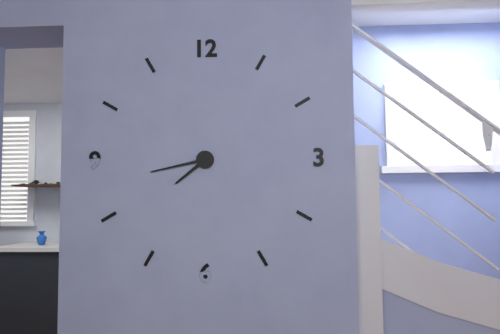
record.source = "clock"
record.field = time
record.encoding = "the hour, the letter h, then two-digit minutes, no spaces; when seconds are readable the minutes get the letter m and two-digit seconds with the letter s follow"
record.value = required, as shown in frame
7h43
